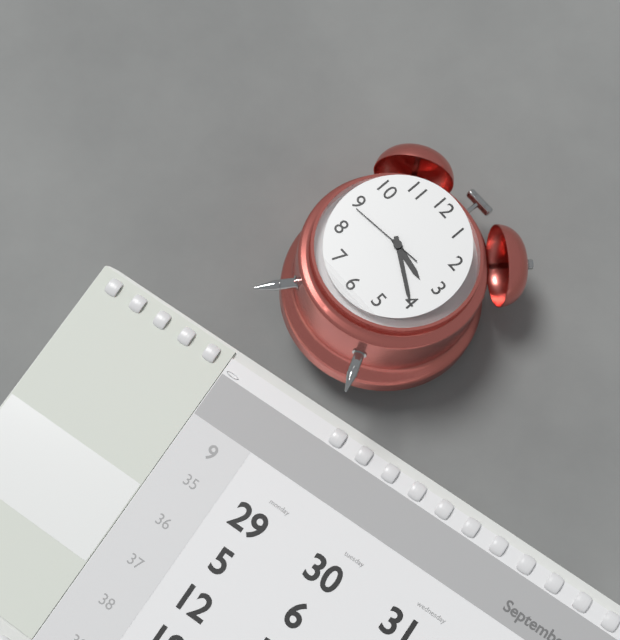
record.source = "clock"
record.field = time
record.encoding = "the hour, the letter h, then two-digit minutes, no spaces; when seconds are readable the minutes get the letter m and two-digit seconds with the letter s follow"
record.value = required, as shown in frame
3h20m44s
